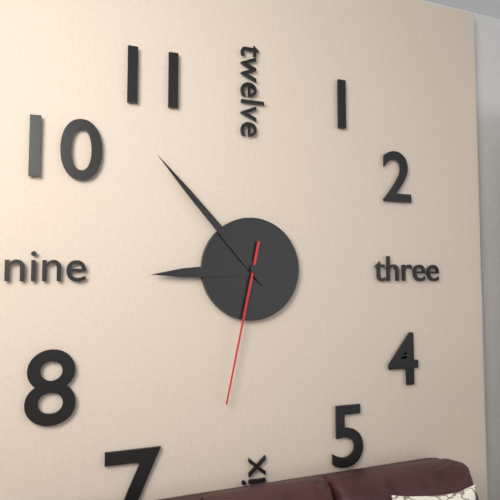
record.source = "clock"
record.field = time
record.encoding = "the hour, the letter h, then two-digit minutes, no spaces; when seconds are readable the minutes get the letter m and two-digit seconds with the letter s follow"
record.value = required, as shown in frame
8h53m32s
